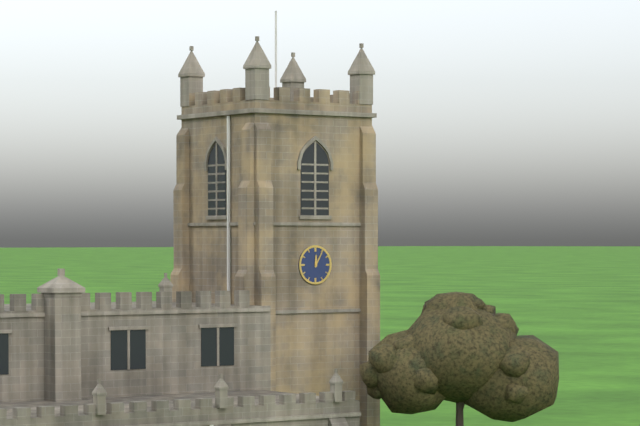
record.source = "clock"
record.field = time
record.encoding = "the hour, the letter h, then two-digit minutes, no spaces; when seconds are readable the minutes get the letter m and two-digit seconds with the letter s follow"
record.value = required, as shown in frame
12h05
